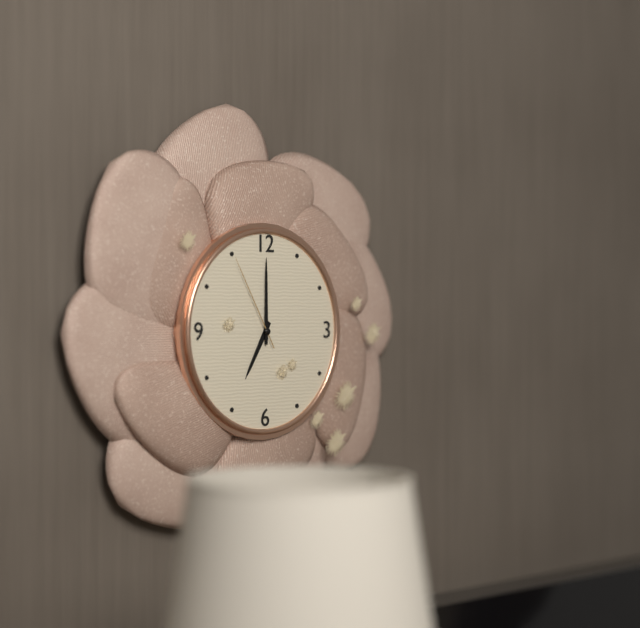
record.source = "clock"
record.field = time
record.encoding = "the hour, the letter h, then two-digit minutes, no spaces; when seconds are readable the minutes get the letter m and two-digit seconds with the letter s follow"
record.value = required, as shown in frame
7h00m55s
